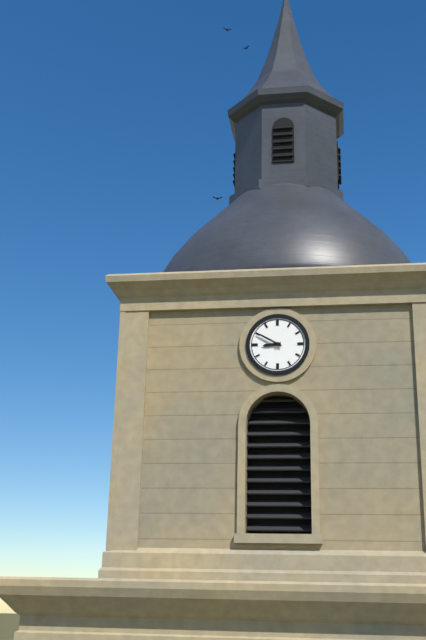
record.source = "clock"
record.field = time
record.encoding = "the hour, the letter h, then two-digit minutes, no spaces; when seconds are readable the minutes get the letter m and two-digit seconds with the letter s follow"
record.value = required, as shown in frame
8h50
